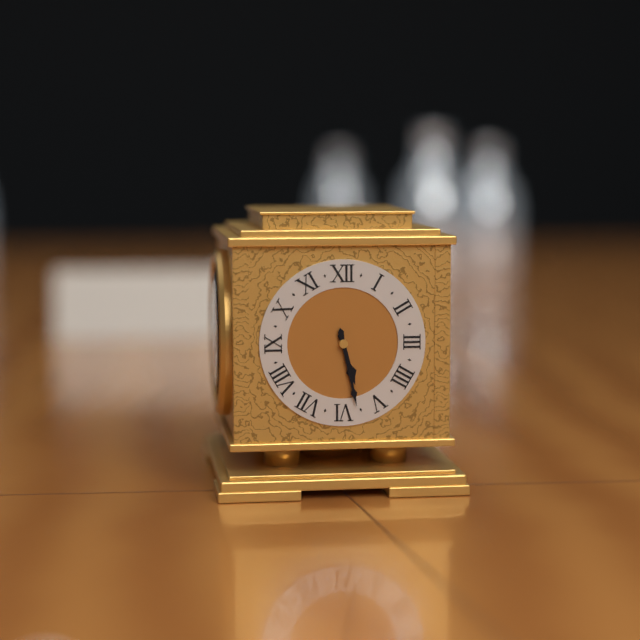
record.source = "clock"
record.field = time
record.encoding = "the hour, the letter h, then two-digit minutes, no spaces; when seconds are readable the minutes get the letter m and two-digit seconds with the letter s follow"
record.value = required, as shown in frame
5h28
